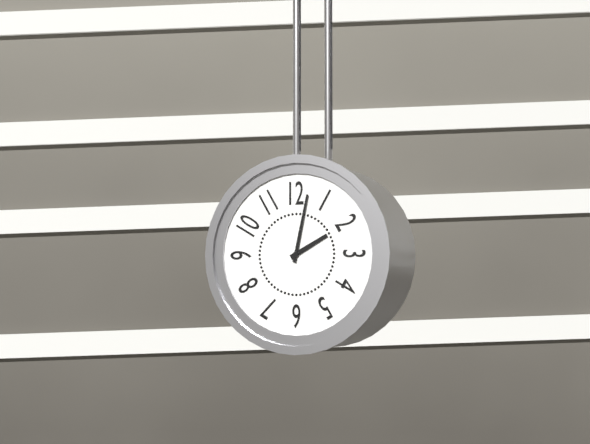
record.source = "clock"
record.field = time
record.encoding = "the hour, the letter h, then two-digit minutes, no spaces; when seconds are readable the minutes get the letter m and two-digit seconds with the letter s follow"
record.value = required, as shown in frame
2h02
